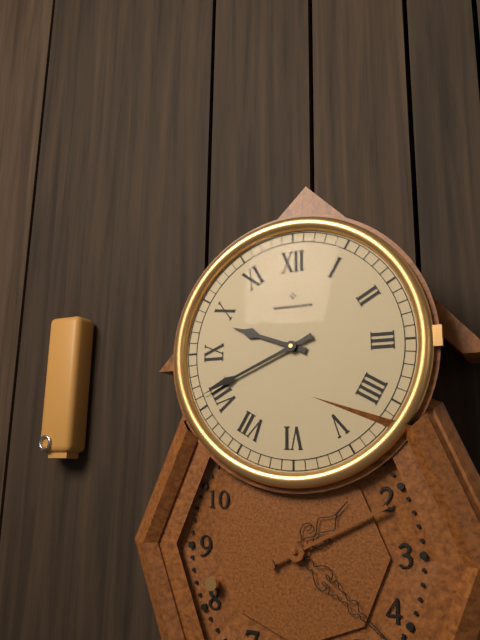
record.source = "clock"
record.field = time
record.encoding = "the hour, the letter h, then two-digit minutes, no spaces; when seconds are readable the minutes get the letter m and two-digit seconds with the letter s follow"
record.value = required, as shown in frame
9h41
